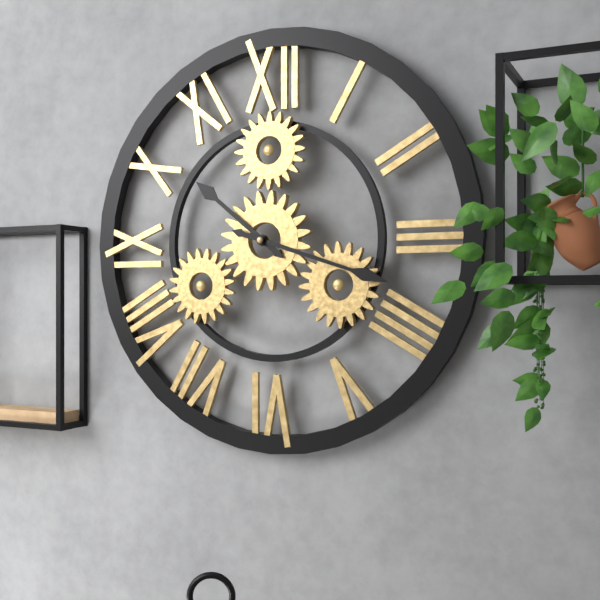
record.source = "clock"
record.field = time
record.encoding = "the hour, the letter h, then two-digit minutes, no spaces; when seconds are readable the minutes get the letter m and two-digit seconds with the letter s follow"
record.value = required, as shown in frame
10h18
